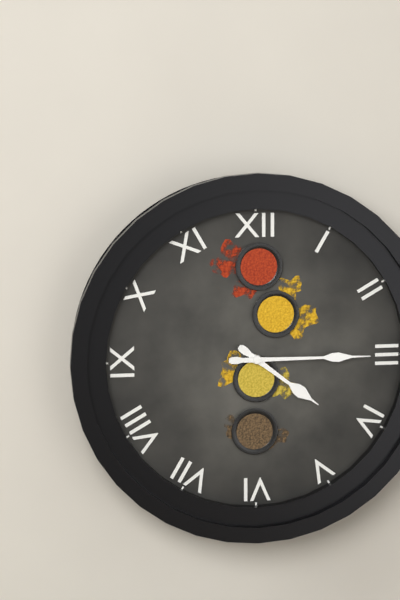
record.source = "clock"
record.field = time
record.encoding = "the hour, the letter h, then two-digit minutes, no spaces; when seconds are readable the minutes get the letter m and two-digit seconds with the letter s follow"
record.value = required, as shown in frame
4h15
